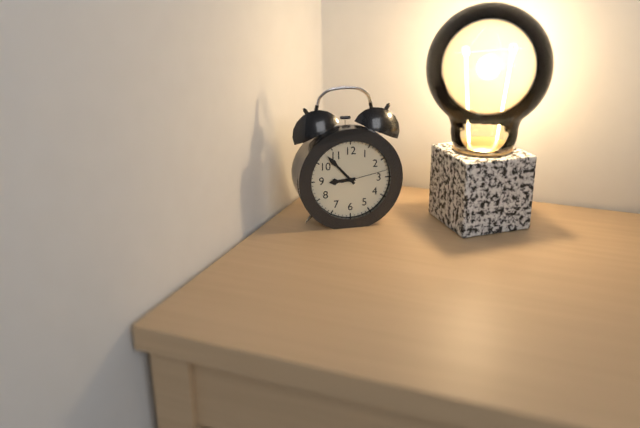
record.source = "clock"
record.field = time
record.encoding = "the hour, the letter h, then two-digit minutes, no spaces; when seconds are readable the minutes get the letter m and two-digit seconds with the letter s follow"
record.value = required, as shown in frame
8h53
